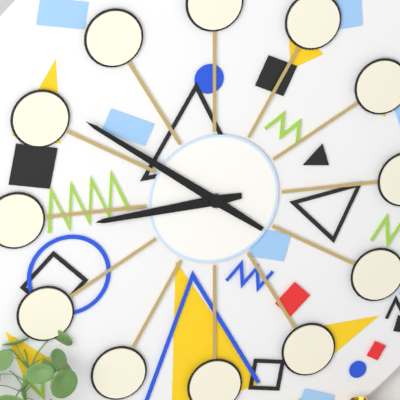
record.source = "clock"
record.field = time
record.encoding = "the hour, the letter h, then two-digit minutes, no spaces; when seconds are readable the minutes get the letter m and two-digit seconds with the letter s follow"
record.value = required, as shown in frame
8h51
